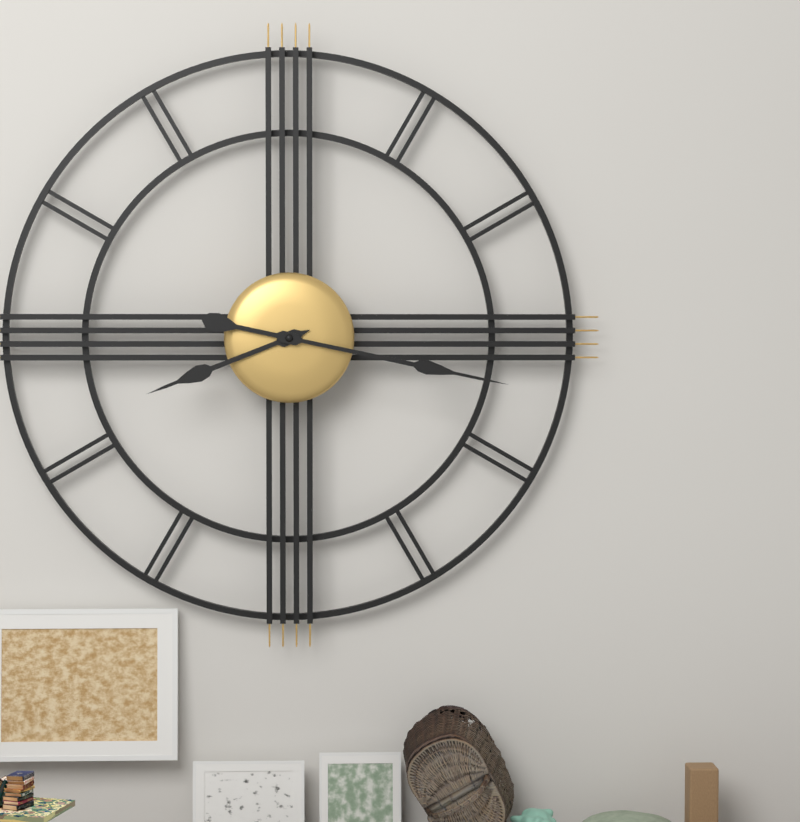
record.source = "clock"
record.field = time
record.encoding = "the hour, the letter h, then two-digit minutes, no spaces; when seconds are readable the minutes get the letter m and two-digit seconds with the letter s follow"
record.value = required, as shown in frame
8h17
